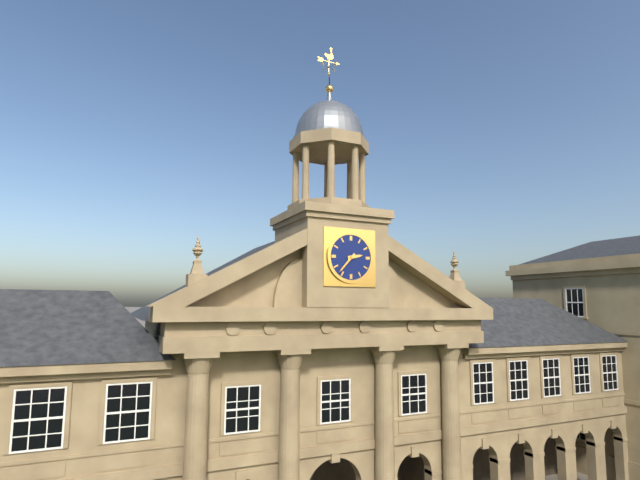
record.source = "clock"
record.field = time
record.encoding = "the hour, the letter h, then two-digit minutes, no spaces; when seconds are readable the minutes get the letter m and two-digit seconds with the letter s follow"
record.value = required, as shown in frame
2h37
